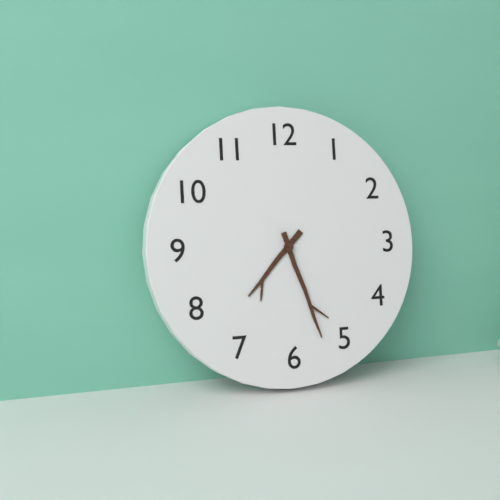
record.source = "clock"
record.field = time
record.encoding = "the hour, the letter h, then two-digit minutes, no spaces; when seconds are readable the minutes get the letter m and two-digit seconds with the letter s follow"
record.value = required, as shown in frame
7h27
